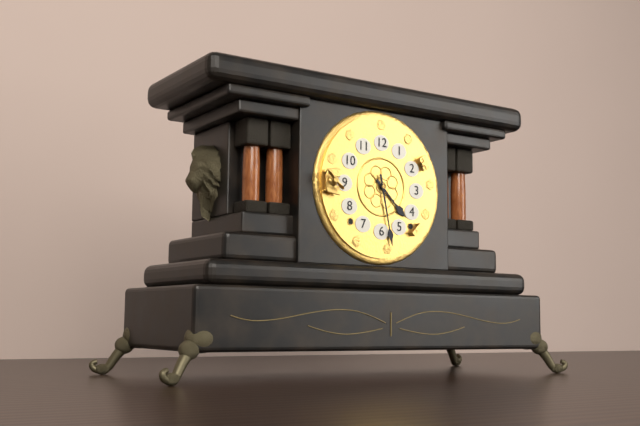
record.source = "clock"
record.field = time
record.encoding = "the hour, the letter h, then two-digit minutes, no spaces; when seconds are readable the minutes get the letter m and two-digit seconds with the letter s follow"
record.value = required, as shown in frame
4h28
